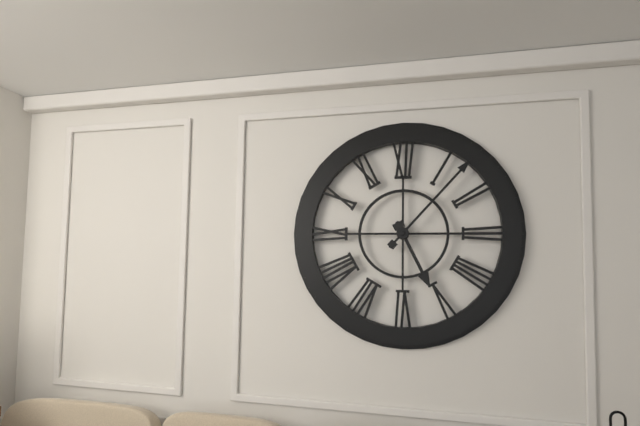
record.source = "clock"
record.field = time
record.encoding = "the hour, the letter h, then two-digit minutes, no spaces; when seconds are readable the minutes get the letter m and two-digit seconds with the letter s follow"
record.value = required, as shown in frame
5h07
